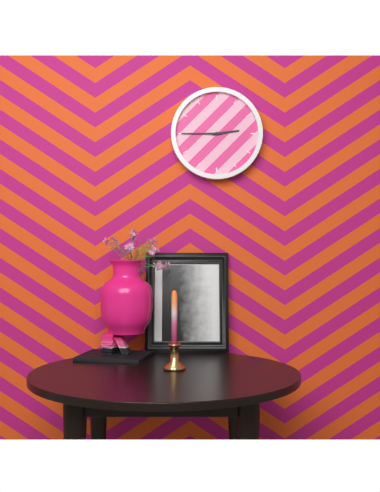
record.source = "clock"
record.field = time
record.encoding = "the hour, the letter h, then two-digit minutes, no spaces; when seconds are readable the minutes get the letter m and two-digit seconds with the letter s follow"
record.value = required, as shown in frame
2h45
